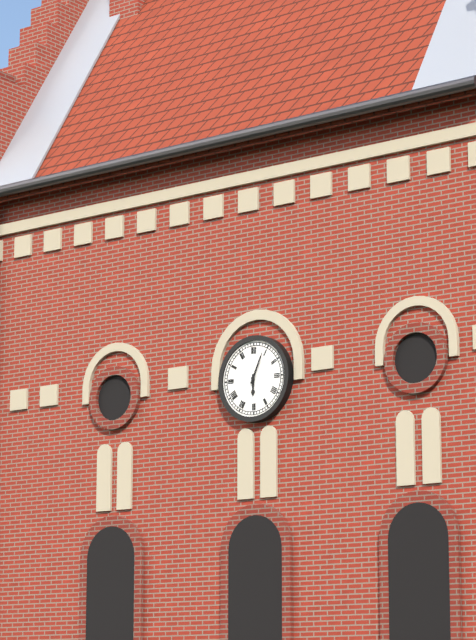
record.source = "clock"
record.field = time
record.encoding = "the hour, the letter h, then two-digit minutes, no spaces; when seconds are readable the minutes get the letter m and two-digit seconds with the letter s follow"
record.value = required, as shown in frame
6h04
